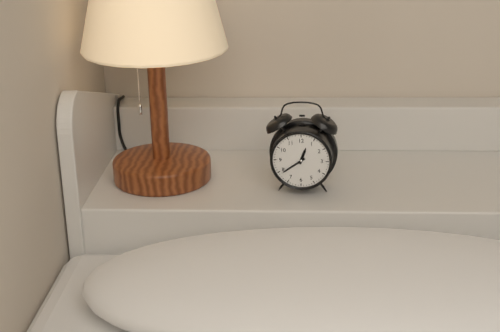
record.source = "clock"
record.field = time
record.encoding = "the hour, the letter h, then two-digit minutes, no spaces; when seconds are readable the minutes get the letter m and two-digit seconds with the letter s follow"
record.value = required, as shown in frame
12h39
